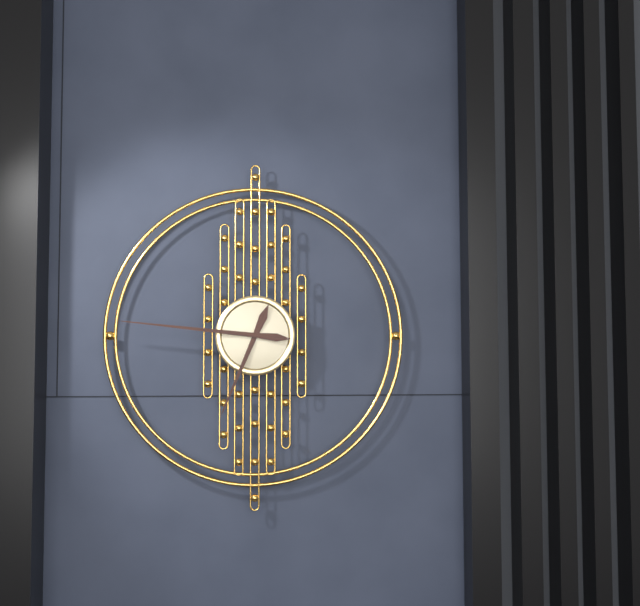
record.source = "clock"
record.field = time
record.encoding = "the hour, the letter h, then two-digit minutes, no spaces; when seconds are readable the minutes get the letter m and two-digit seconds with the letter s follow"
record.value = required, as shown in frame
6h46
